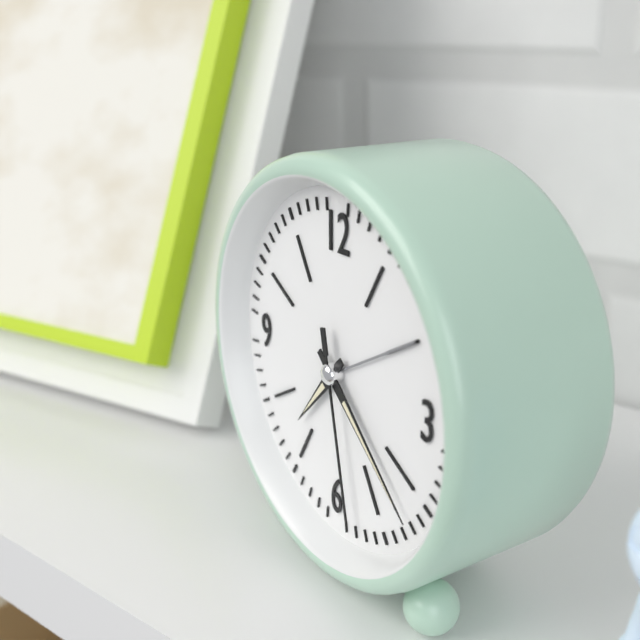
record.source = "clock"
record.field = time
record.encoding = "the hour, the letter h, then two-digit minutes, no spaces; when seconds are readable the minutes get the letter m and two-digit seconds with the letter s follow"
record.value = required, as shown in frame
7h22m28s
